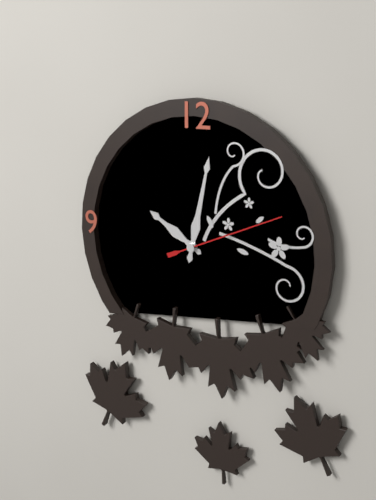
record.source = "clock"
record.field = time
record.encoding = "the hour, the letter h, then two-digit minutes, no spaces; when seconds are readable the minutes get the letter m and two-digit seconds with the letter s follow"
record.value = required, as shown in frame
10h02m11s
